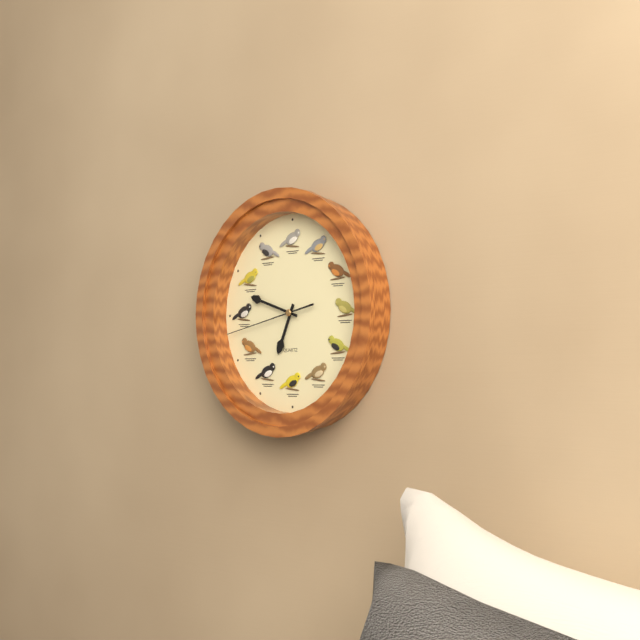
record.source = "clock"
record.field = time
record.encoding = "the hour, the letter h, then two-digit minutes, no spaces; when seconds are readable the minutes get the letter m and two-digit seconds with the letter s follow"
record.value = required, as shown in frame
6h48m43s
